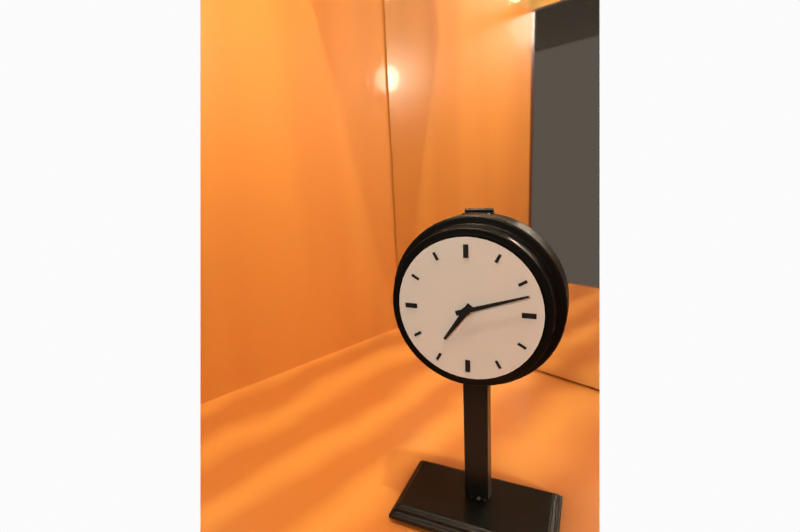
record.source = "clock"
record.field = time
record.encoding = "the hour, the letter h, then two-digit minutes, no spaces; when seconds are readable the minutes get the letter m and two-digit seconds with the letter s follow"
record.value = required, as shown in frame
7h12
